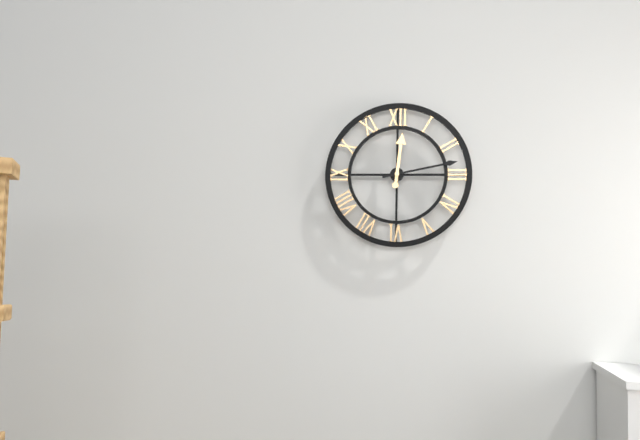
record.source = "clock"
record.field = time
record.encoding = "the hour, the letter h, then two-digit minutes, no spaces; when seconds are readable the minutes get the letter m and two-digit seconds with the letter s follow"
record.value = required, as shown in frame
12h13
